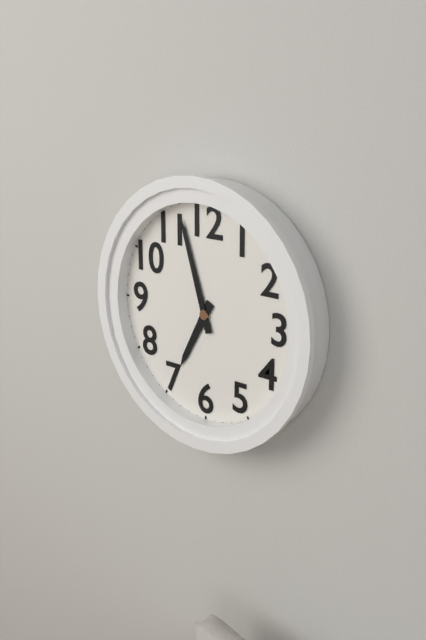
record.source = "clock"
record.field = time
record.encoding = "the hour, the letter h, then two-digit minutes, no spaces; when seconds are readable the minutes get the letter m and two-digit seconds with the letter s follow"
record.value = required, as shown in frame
6h57
